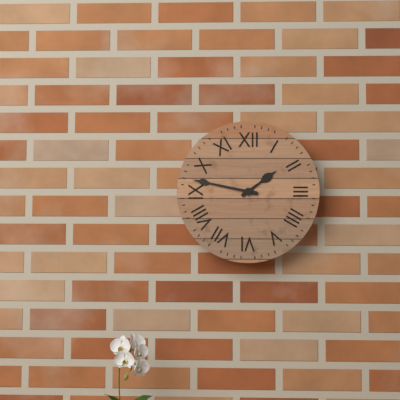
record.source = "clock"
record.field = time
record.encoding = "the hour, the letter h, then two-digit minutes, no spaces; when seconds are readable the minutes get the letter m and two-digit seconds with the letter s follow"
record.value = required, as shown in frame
1h47
